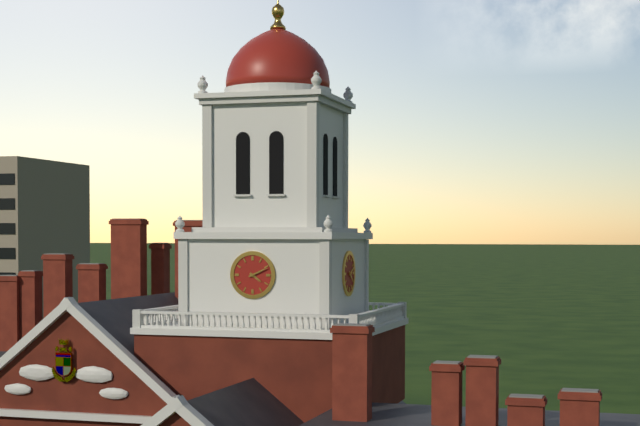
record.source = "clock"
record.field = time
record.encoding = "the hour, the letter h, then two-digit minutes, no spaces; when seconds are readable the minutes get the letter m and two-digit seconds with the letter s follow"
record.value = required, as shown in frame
4h11
